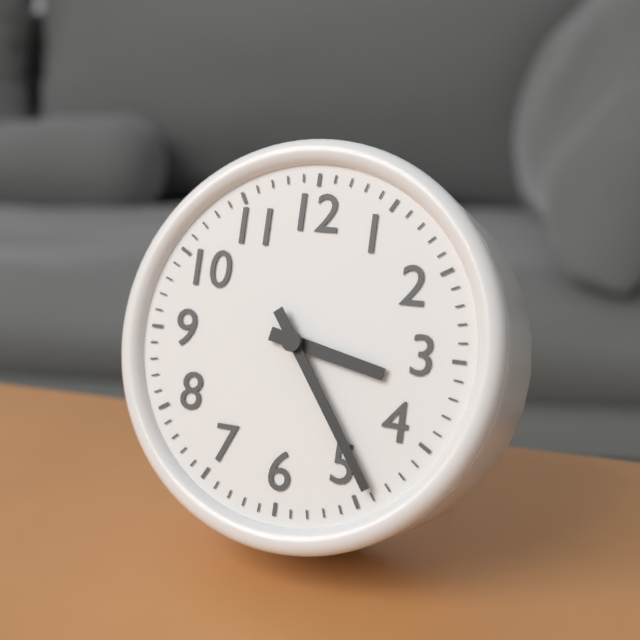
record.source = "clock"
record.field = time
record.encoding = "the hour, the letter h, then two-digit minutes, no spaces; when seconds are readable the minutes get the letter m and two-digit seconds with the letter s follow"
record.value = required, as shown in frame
3h24
